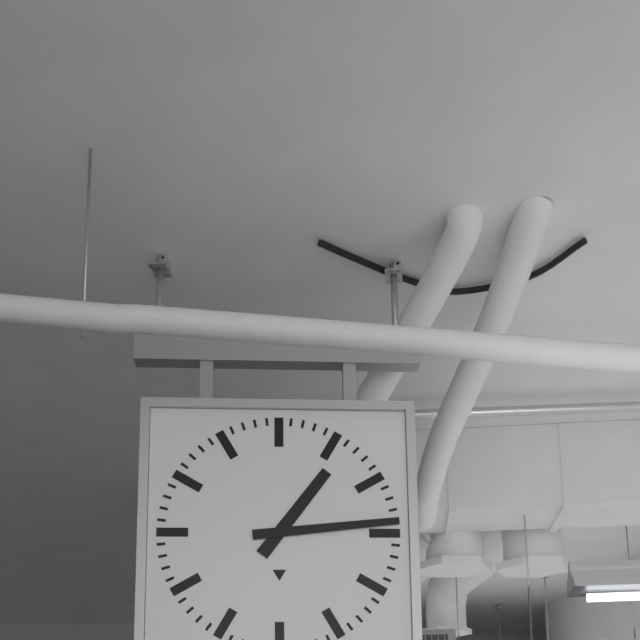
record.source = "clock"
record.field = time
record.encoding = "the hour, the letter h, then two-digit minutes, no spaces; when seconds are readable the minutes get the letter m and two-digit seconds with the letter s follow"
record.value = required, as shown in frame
1h14
